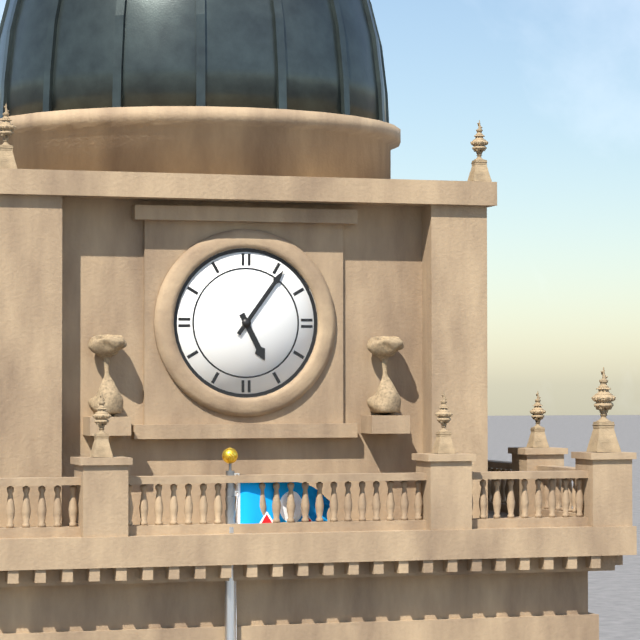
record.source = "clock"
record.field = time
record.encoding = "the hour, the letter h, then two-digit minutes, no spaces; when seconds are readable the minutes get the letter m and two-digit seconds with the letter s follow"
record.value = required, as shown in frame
5h06
